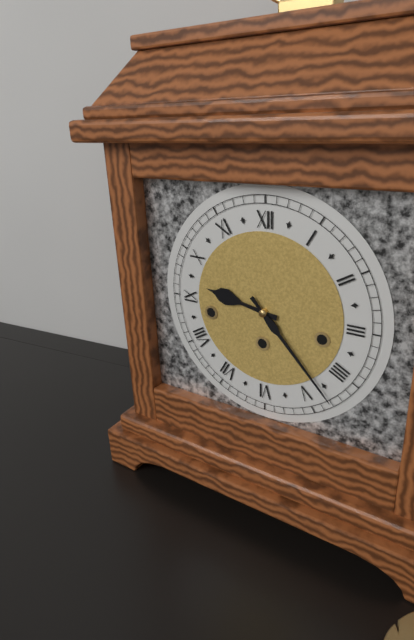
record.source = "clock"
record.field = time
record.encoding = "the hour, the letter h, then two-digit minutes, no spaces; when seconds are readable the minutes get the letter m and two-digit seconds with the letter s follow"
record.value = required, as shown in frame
9h23
